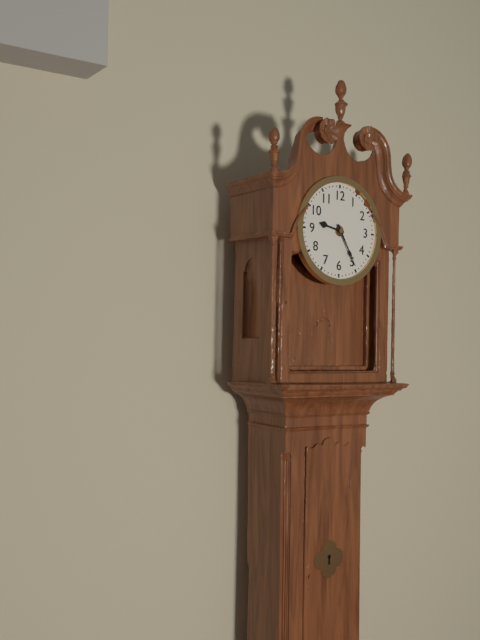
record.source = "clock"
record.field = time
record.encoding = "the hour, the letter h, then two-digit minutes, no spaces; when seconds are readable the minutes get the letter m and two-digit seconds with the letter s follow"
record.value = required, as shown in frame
9h25
